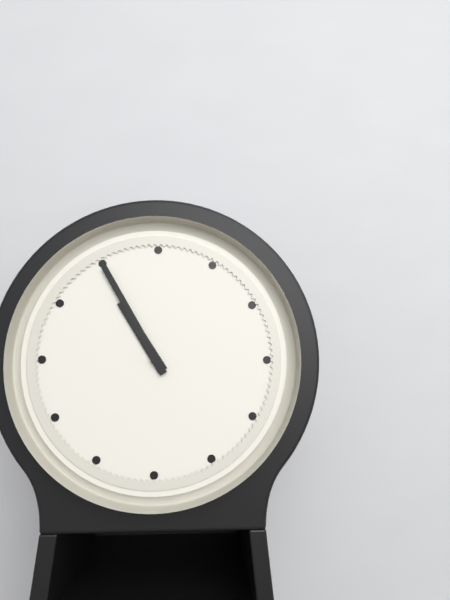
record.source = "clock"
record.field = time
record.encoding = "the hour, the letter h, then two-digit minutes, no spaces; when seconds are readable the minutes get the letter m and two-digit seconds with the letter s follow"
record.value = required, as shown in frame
10h55
